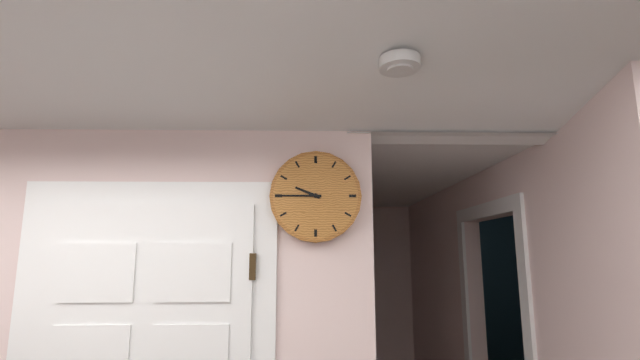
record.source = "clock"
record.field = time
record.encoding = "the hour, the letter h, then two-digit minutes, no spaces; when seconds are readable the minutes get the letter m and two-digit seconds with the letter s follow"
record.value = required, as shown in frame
9h45
